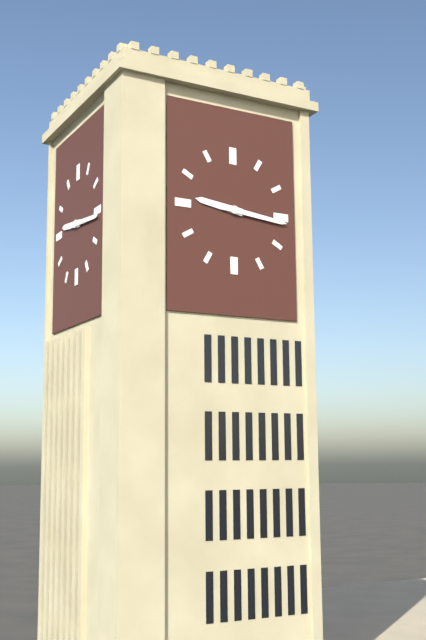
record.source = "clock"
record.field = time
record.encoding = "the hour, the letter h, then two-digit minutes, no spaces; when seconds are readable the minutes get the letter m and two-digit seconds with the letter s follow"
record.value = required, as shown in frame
9h16
